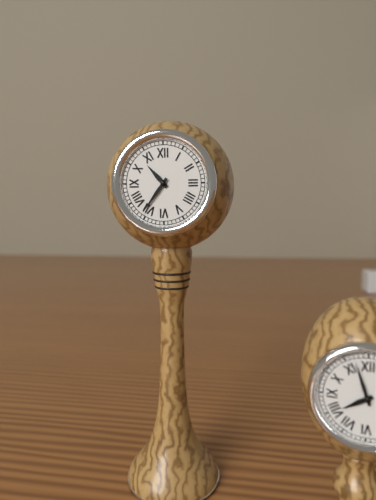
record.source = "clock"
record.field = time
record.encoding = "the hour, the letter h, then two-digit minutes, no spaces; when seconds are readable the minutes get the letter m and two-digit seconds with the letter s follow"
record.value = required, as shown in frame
10h36
